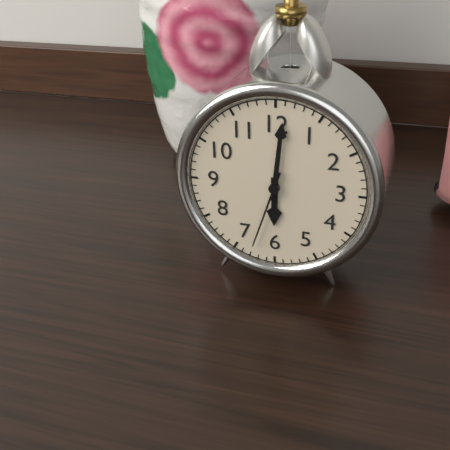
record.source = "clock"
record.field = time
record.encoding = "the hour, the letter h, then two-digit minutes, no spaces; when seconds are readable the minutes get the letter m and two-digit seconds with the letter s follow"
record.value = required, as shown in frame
6h01m33s
